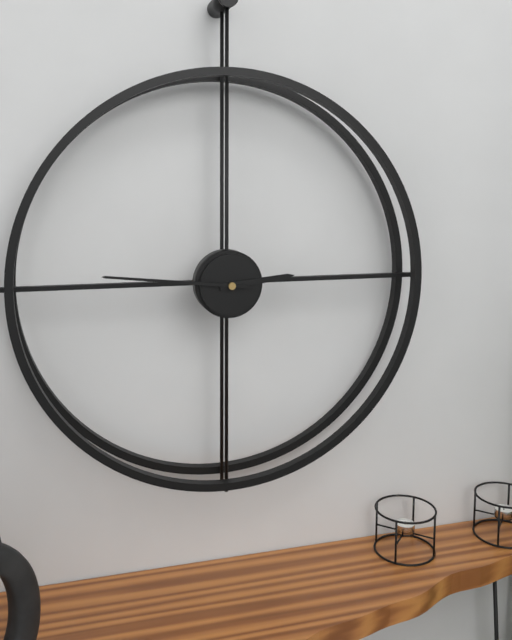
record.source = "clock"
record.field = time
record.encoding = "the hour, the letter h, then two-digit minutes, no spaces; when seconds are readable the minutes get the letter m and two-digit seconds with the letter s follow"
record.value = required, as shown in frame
2h46
